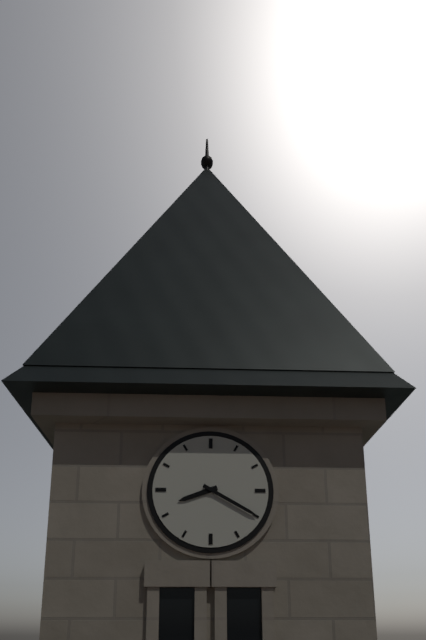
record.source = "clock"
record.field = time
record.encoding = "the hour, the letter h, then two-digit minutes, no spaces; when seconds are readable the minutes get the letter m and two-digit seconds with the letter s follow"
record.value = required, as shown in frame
8h20
